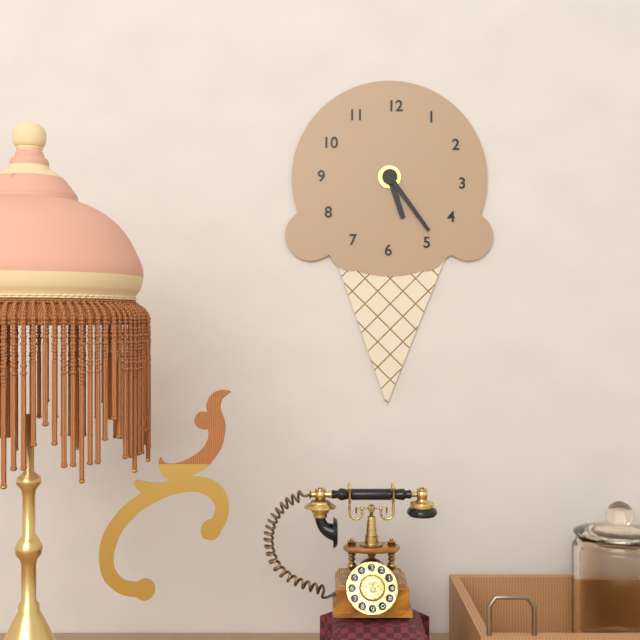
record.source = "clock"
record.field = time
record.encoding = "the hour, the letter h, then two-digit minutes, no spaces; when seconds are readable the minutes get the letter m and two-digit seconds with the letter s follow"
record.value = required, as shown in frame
5h24
